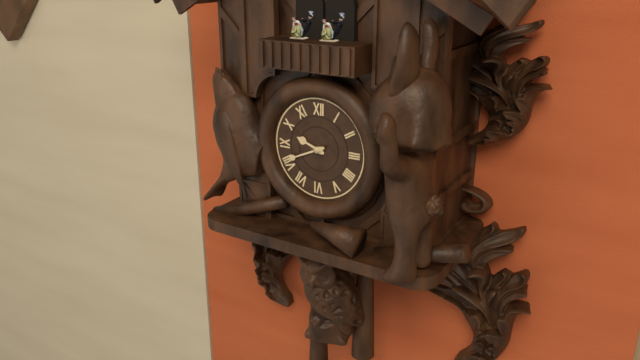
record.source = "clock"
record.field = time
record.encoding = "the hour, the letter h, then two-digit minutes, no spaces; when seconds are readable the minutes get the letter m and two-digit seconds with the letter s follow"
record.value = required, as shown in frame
9h41
